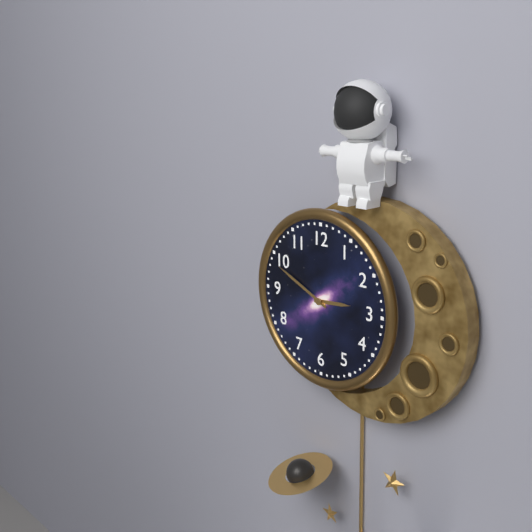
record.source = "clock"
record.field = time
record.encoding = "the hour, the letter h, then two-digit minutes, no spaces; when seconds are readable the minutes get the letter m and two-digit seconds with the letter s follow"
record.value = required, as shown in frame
2h49
